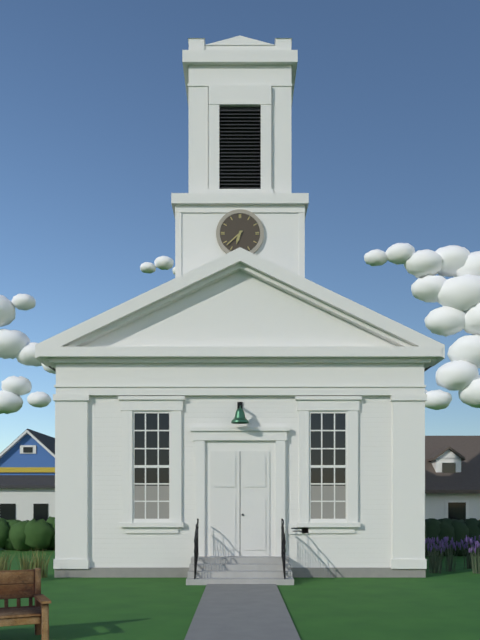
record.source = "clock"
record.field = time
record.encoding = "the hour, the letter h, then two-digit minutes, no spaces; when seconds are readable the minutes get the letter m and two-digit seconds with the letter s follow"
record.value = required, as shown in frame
6h38
